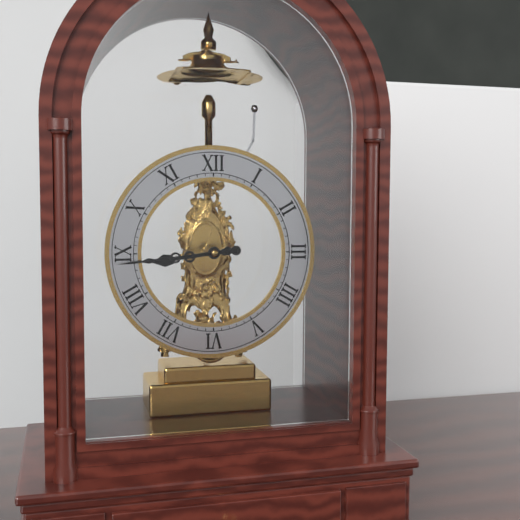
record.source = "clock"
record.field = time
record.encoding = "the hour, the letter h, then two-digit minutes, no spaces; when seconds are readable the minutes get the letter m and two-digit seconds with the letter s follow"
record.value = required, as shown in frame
8h44
